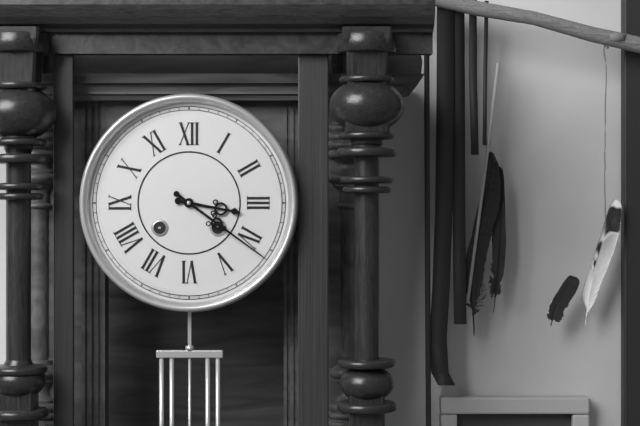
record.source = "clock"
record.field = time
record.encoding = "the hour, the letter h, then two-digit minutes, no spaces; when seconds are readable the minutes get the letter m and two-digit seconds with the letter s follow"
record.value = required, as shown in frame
3h21
